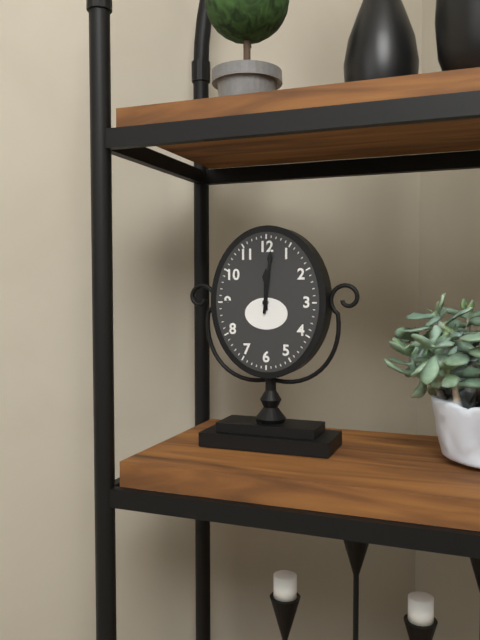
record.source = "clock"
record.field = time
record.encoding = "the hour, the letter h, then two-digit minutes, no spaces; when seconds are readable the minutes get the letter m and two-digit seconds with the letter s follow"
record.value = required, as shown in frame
12h01
